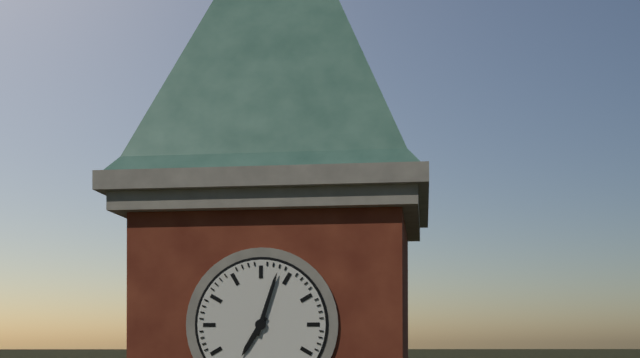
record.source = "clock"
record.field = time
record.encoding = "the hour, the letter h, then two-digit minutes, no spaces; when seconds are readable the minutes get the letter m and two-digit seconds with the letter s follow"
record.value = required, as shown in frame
7h03
